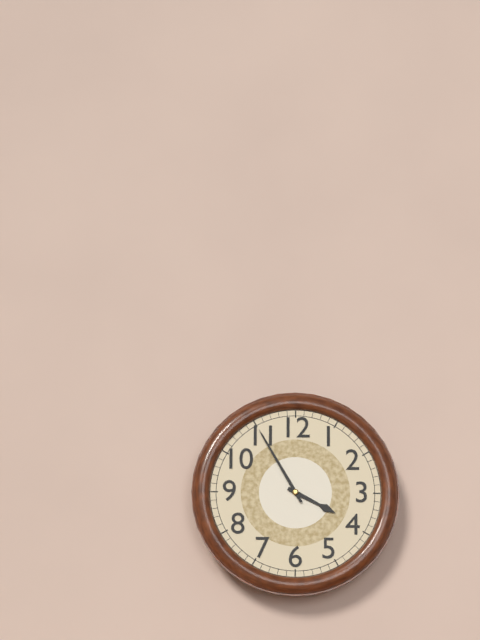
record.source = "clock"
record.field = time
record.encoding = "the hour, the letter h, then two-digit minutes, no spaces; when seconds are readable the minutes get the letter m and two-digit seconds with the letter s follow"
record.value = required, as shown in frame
3h55
